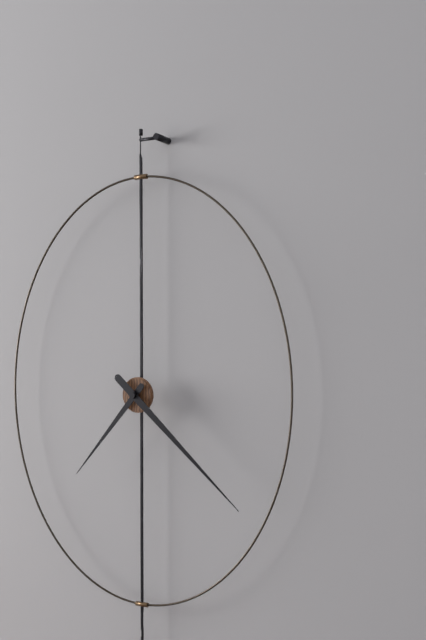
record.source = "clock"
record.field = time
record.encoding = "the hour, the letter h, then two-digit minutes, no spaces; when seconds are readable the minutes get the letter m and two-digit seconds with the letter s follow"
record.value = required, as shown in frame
7h22
